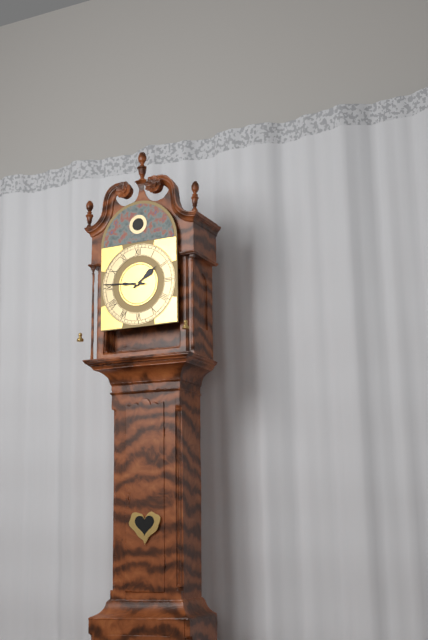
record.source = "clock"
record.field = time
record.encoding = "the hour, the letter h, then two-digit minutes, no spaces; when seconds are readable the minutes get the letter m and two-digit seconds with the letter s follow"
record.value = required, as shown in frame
1h46
